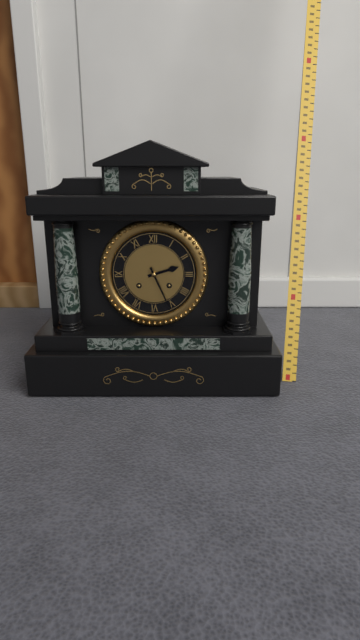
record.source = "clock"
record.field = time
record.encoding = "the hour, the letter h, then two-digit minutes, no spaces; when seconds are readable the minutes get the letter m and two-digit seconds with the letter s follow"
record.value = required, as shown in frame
2h26
